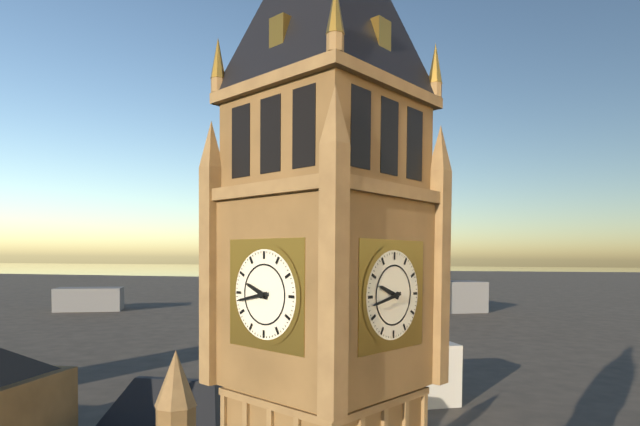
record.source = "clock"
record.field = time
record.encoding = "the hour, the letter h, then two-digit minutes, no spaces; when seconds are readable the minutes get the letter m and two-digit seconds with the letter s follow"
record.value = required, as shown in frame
9h43
